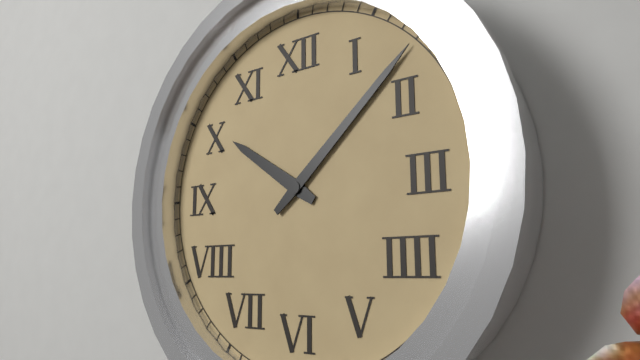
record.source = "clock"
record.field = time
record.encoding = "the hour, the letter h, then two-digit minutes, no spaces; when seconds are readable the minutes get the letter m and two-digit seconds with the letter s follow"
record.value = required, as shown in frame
10h08
